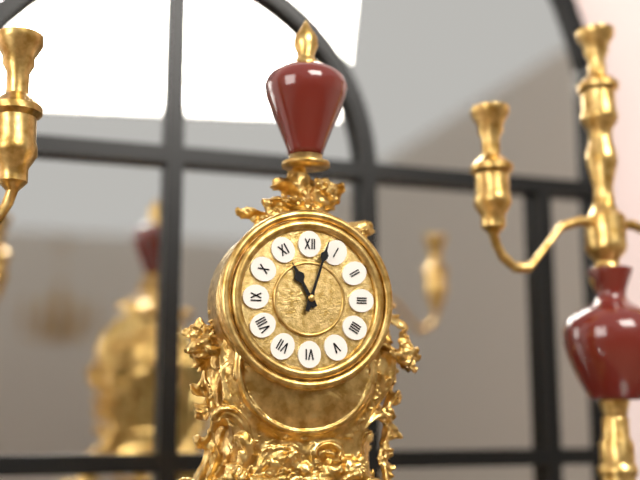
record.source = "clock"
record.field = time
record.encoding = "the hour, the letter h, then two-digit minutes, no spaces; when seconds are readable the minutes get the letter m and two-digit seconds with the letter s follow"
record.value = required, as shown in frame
11h03
